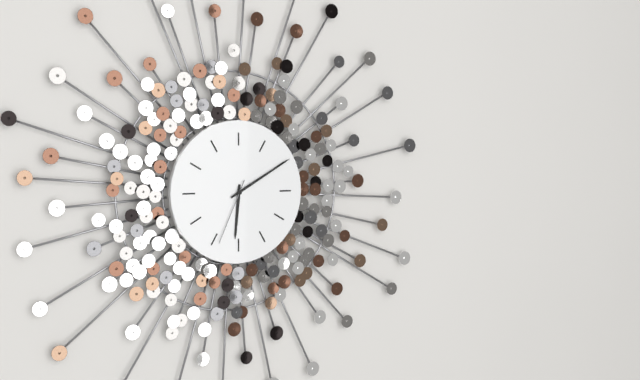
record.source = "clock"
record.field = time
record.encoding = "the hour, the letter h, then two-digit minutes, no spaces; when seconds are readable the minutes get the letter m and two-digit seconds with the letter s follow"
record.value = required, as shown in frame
6h10m34s
